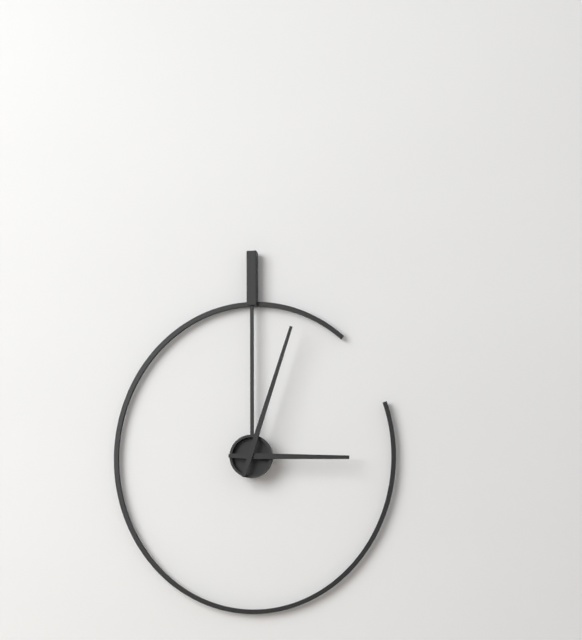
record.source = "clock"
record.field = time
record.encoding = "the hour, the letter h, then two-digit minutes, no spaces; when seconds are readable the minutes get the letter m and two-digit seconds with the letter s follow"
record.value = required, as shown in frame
3h03
